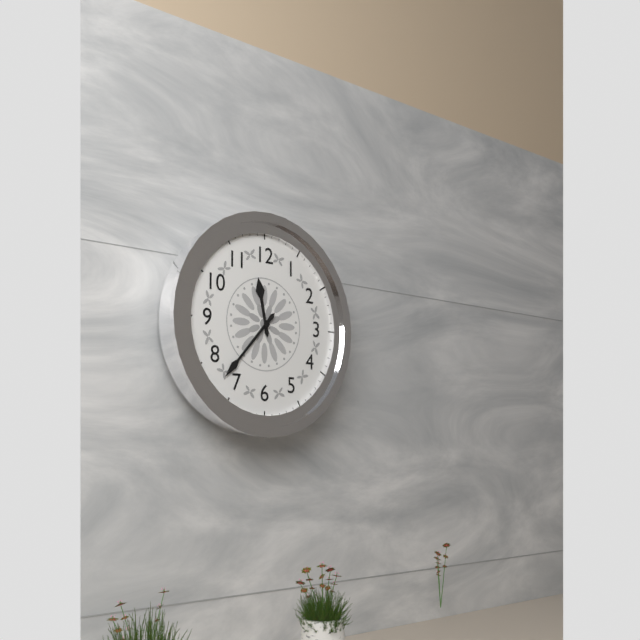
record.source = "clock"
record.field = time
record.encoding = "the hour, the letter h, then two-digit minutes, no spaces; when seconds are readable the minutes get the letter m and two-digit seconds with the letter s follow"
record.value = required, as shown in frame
11h37
